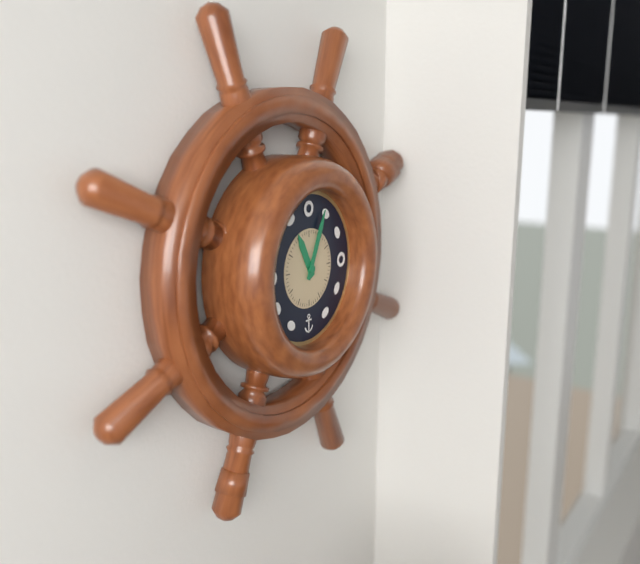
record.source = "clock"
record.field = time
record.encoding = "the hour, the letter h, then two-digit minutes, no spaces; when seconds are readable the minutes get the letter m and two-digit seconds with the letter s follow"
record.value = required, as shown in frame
11h04
